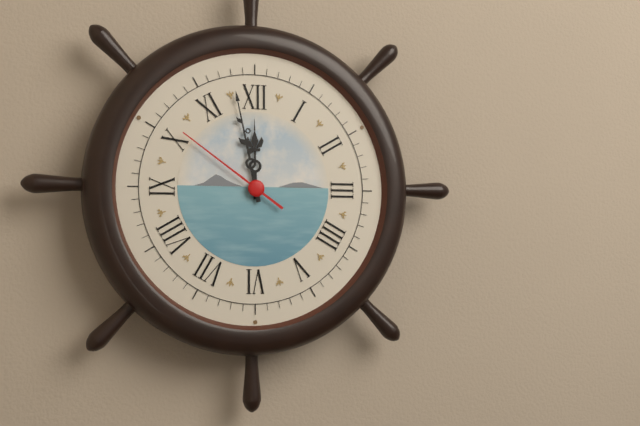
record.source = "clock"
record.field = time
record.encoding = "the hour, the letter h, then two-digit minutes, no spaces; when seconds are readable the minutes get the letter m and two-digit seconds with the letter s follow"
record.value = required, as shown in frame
11h58m51s
